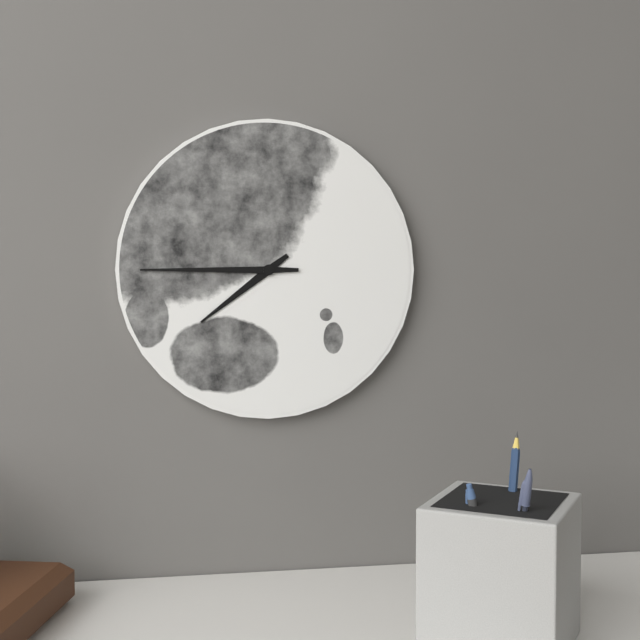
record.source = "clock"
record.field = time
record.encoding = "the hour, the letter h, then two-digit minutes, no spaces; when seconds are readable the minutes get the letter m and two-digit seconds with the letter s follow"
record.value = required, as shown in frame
7h45
